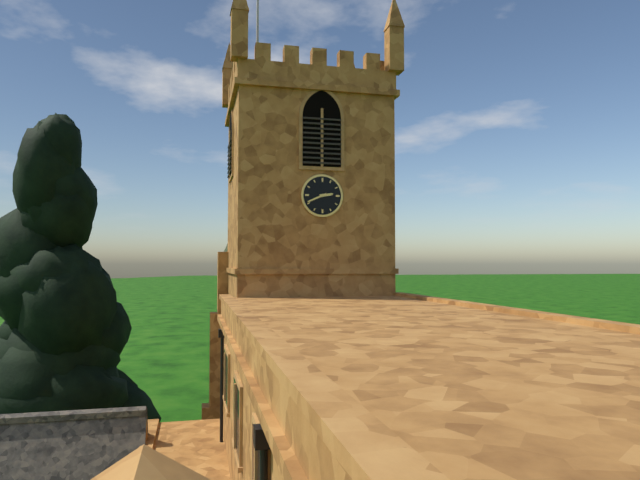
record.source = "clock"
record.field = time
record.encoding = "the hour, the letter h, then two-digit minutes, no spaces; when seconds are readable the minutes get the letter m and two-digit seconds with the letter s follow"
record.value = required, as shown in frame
2h41
